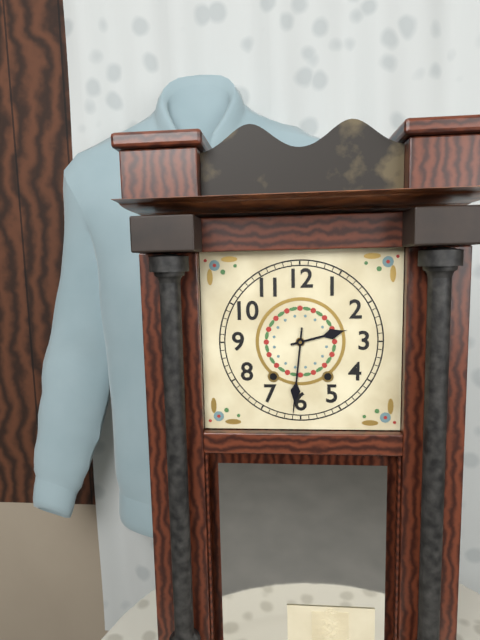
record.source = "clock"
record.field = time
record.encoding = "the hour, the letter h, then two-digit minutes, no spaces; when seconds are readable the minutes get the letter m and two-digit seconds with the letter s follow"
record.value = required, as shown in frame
2h31
